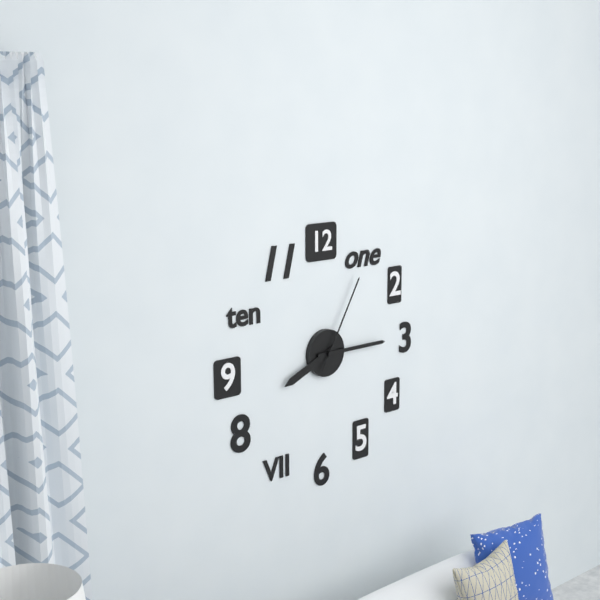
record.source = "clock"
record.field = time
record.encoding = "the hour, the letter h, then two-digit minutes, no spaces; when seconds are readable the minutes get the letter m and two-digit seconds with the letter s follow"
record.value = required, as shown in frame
8h15m05s
